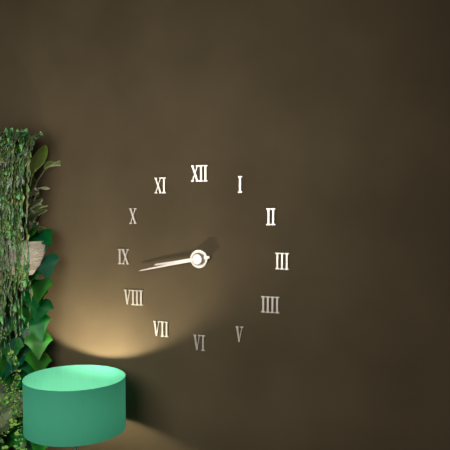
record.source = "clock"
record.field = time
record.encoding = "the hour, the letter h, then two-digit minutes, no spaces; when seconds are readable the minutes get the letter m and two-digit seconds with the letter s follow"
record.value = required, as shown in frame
8h43
